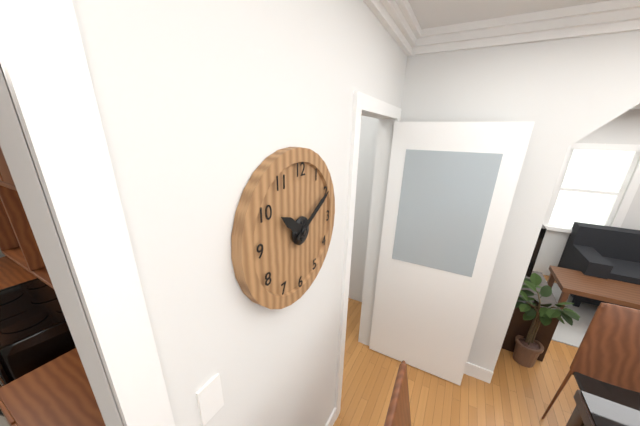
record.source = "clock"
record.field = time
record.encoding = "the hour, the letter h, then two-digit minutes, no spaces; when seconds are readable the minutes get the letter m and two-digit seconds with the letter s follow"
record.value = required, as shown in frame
10h10
